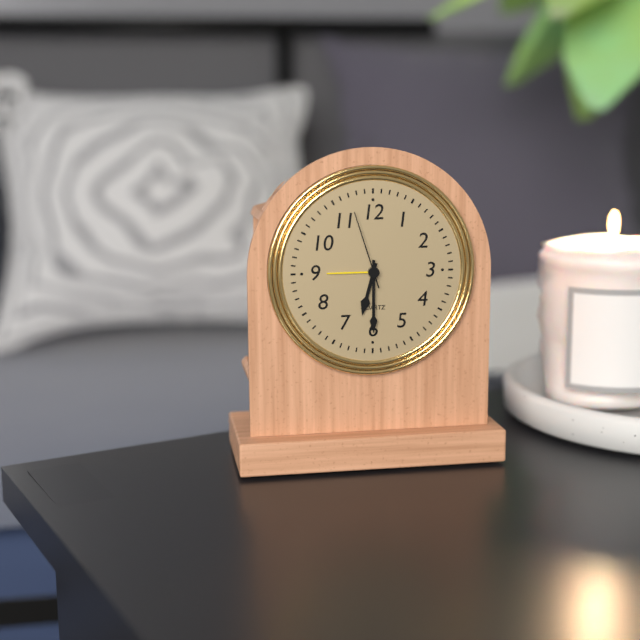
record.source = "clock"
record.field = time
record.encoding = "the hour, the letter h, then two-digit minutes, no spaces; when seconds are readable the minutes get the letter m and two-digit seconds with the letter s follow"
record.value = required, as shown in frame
6h30m57s
